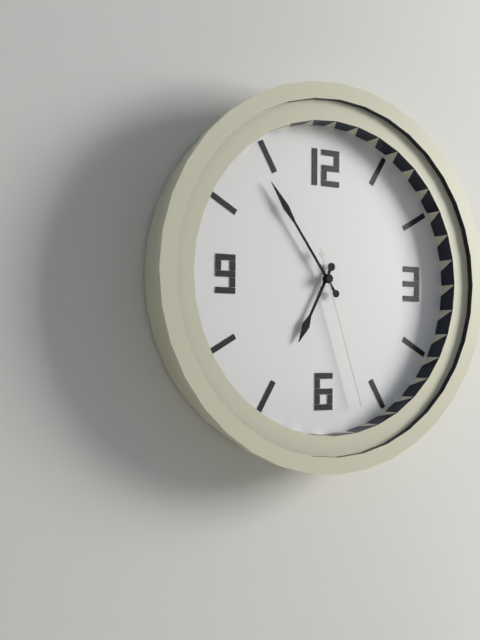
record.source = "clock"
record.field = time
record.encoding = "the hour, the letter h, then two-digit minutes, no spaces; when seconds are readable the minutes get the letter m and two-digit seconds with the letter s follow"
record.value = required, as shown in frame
6h54m27s
